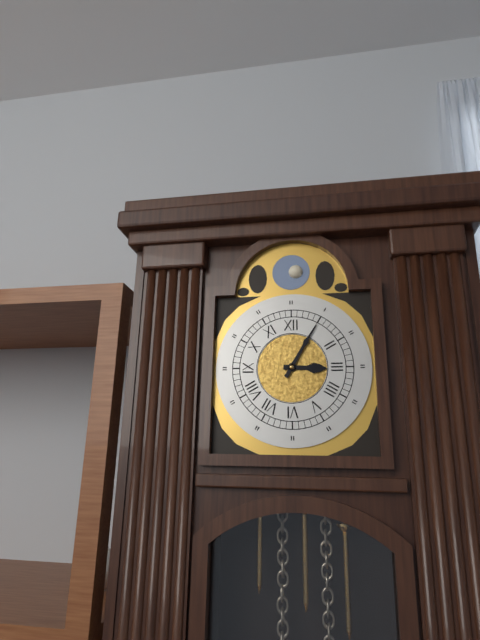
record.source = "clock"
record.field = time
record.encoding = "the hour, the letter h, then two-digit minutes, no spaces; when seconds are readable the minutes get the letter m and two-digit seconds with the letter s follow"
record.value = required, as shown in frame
3h05
